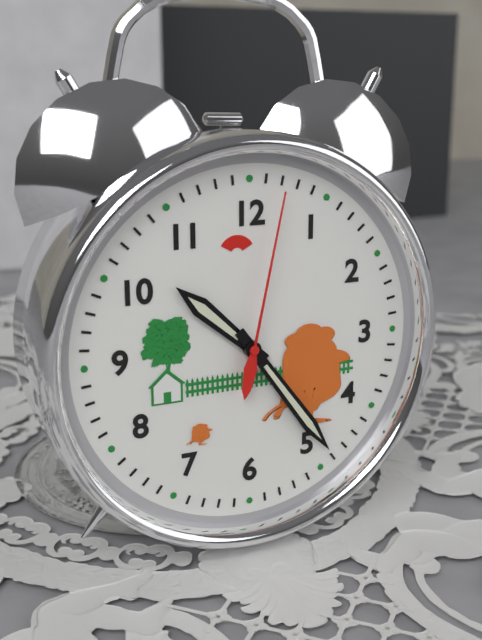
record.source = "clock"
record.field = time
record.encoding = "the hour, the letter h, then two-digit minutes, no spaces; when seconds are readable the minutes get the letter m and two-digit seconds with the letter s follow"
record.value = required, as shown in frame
10h24m02s
